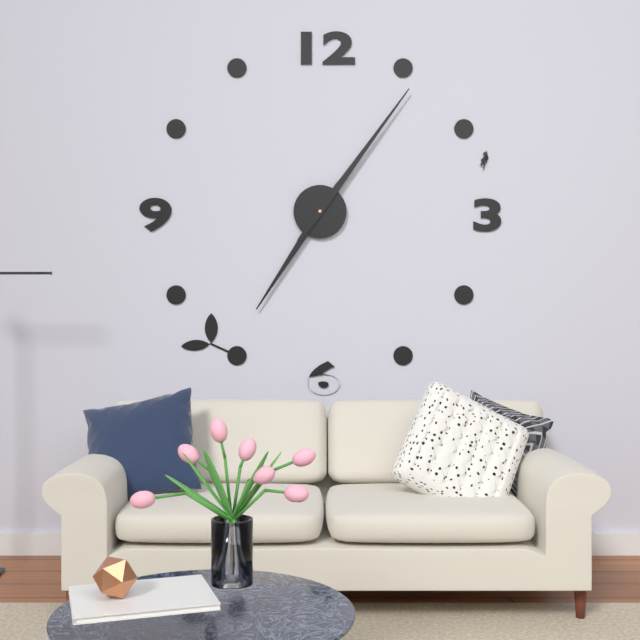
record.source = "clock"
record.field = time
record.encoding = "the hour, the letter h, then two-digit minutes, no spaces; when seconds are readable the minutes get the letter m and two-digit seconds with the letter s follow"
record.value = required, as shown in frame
7h06
